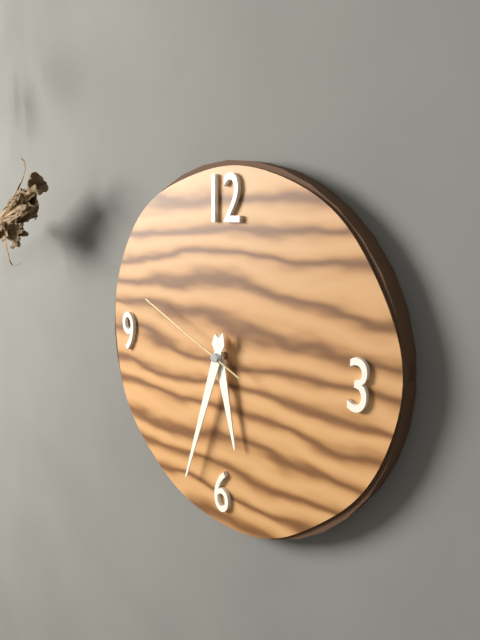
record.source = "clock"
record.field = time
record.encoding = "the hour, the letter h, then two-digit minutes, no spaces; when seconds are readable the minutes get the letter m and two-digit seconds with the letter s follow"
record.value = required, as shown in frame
5h33m49s
